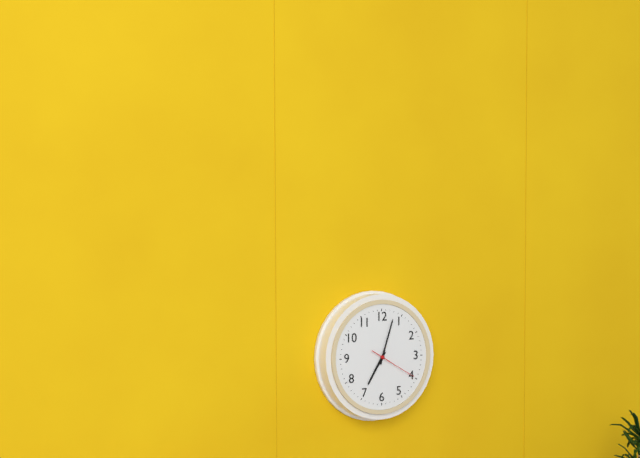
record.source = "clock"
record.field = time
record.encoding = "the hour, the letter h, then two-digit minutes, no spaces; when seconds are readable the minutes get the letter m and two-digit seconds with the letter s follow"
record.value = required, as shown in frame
7h03
